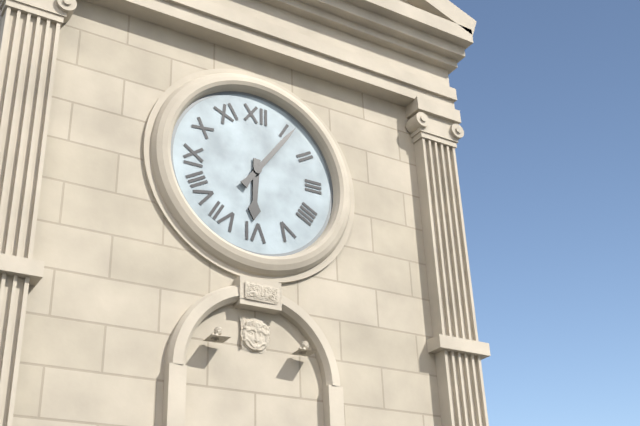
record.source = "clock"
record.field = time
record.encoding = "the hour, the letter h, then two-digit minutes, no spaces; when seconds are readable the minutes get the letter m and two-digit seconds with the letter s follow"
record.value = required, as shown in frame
6h06
